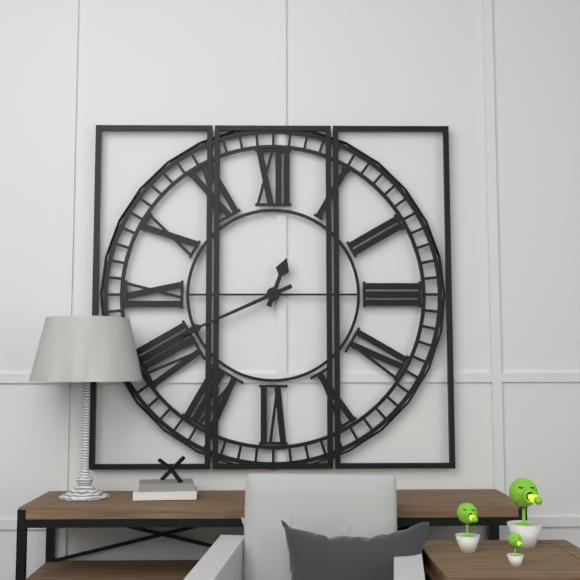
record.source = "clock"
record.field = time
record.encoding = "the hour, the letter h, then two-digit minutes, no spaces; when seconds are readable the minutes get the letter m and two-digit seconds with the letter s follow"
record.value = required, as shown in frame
12h41
